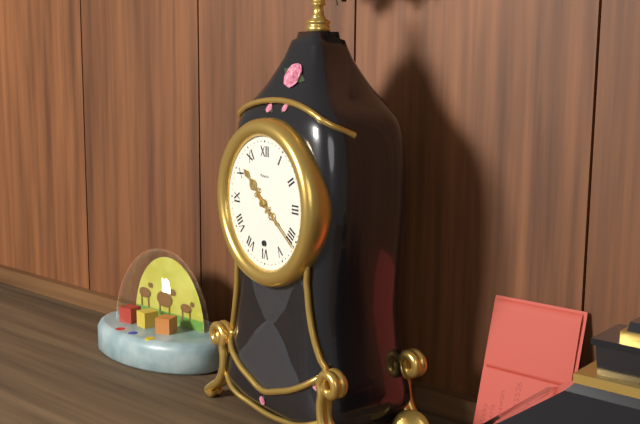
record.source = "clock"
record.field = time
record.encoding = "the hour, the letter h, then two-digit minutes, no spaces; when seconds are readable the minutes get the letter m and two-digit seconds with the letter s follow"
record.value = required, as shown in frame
10h21
